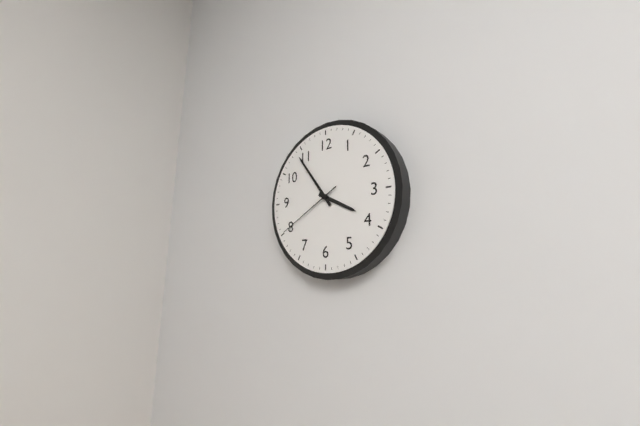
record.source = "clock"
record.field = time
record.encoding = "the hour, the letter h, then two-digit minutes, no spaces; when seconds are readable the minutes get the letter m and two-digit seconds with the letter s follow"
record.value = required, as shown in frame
3h54m40s
